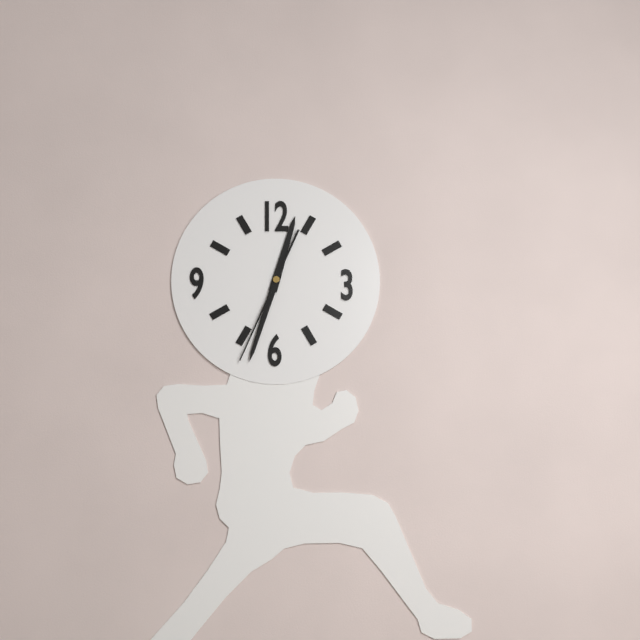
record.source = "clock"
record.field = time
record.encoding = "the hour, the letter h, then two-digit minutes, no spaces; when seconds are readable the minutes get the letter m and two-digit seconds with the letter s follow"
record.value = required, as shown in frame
12h33m34s
